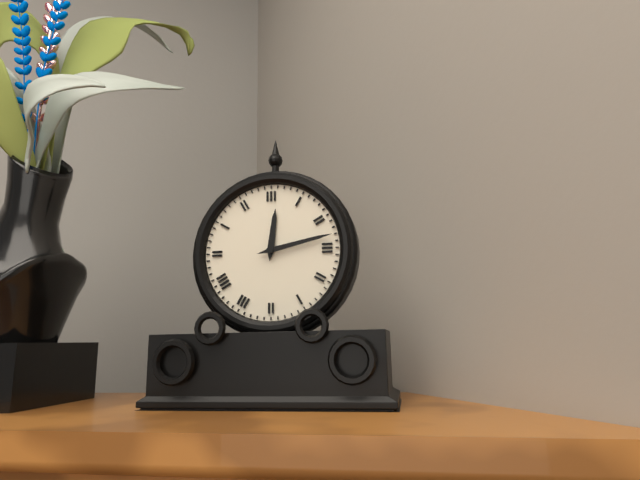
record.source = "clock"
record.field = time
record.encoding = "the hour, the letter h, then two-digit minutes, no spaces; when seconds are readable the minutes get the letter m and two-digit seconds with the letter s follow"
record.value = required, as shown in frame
12h13
